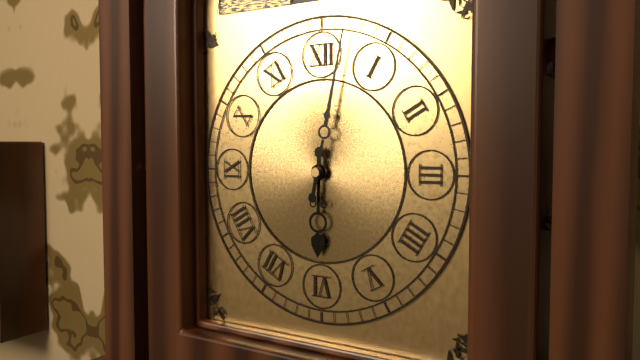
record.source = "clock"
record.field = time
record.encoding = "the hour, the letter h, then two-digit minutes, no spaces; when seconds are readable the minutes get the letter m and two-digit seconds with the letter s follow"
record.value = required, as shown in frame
6h02
